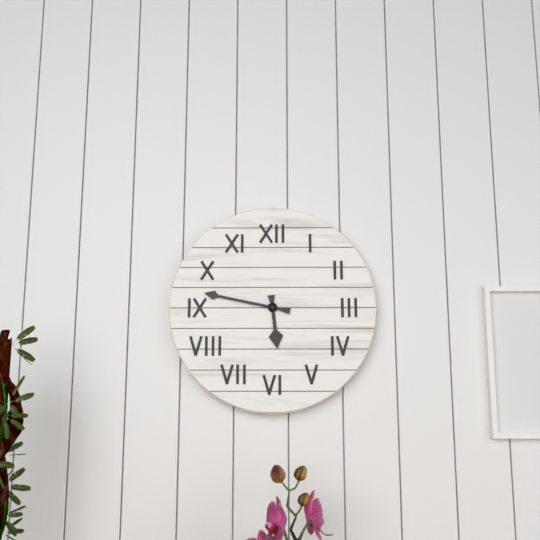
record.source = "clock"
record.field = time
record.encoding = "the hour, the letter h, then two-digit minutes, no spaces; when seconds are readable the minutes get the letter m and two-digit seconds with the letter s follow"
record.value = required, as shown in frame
5h47
